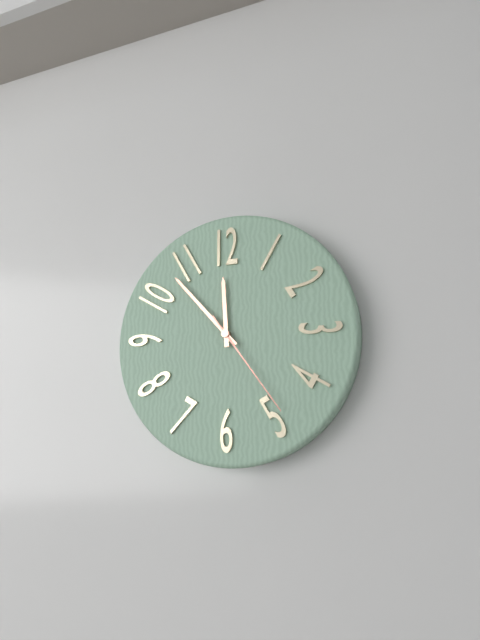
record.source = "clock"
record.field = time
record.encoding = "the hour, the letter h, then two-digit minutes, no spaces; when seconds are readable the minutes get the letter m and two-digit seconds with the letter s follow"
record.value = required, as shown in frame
11h53m24s
